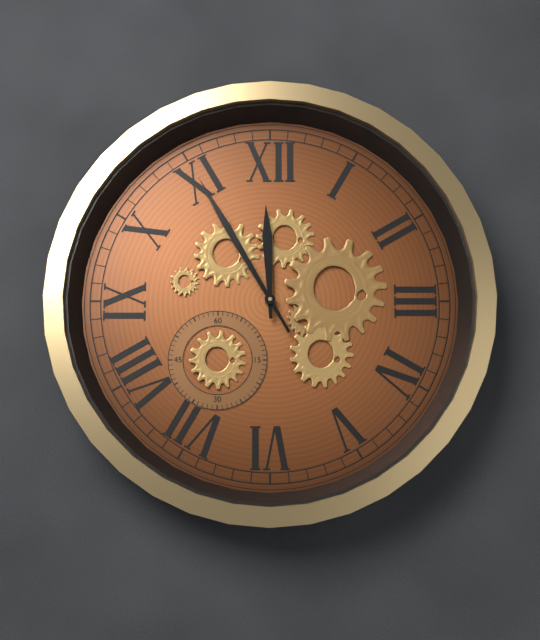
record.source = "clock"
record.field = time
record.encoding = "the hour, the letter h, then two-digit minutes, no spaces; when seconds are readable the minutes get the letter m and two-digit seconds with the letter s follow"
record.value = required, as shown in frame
11h55
